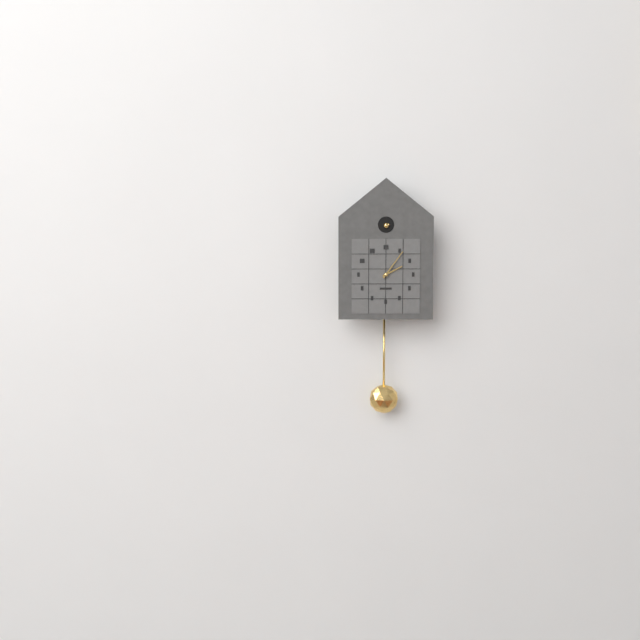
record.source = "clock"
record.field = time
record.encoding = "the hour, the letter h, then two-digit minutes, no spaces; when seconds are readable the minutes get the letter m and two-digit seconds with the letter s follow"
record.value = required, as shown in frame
2h06
